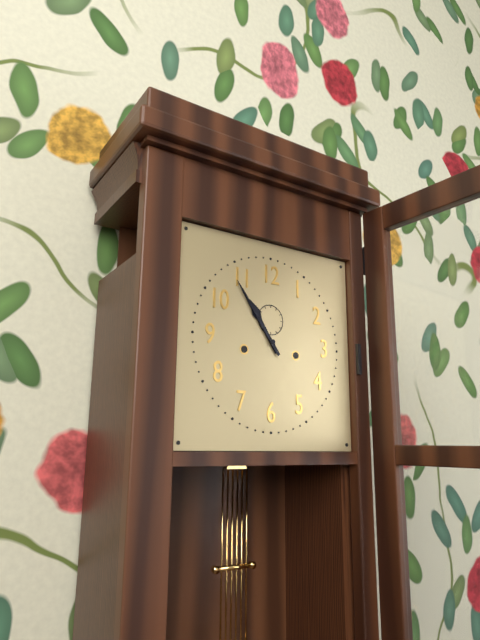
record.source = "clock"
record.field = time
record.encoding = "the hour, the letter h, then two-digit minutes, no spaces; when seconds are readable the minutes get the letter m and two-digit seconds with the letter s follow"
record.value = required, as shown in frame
10h54
